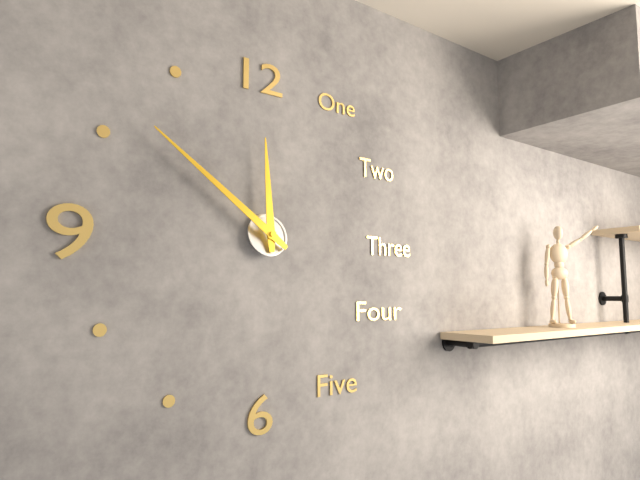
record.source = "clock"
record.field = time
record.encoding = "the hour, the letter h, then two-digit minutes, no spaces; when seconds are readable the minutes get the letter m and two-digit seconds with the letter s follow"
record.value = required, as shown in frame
11h51
